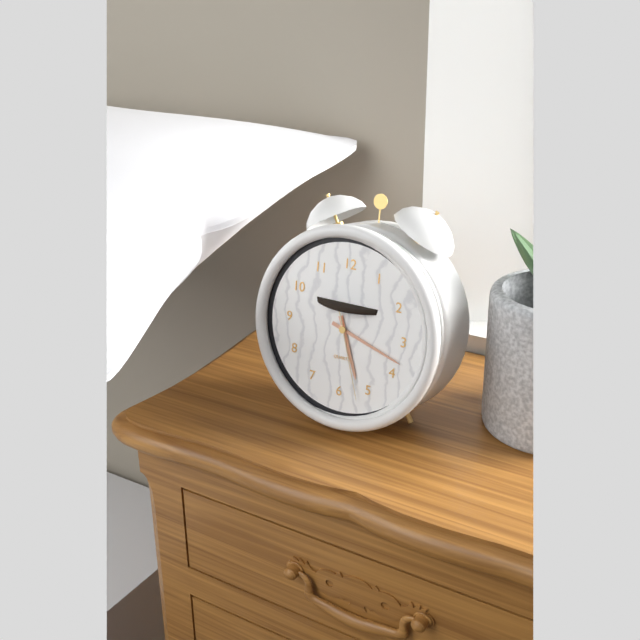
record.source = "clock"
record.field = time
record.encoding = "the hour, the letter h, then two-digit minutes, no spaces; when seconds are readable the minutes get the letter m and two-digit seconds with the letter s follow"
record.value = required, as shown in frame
5h18m27s
